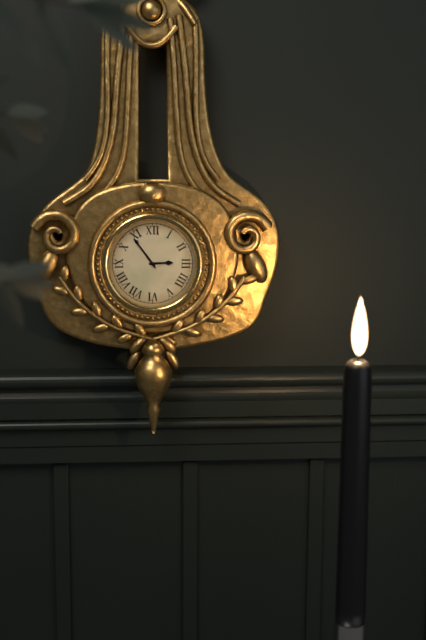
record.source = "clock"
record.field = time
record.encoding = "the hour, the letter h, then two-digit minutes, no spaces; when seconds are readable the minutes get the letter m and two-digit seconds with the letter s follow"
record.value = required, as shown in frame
2h54
